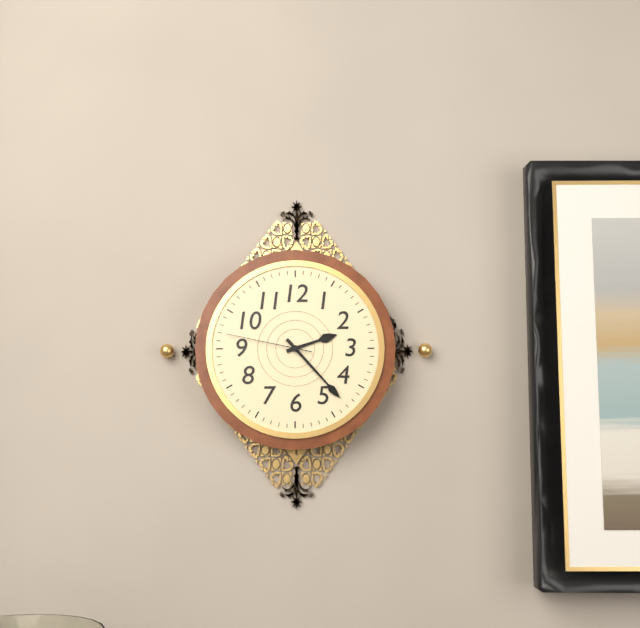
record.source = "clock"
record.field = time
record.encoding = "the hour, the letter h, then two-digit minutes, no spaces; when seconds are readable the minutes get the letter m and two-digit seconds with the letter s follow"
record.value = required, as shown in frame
2h23m47s
